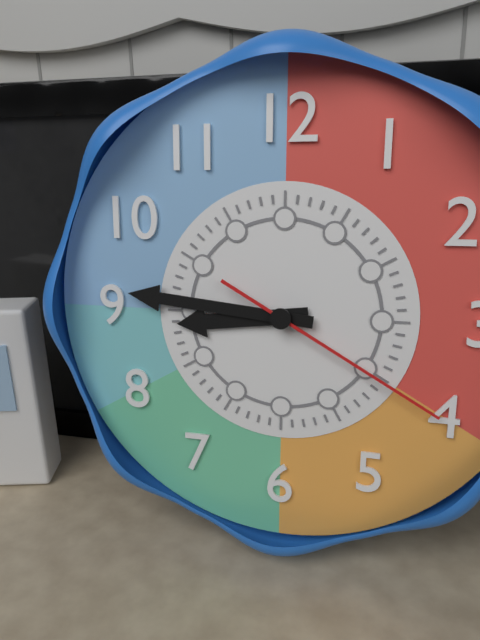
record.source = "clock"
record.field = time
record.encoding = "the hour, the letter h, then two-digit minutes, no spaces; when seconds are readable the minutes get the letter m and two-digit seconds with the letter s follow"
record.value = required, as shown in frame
8h46m20s
